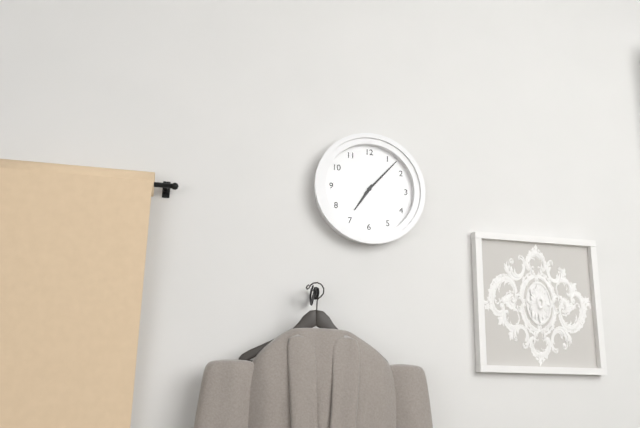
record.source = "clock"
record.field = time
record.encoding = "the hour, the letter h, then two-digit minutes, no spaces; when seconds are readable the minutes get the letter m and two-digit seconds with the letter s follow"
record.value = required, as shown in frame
7h07
